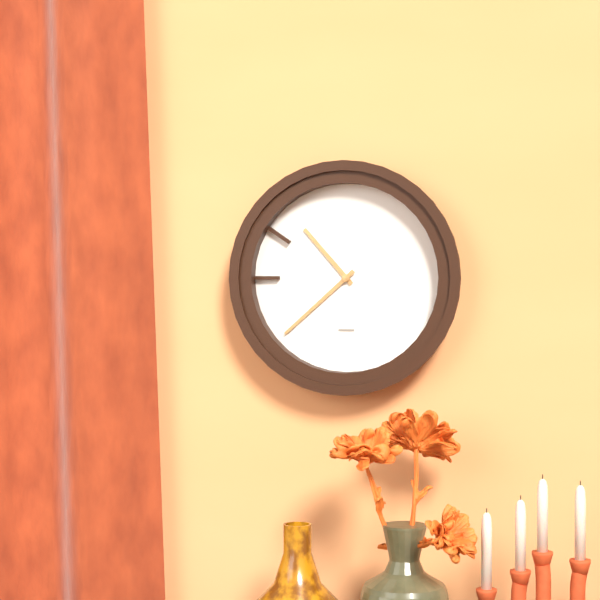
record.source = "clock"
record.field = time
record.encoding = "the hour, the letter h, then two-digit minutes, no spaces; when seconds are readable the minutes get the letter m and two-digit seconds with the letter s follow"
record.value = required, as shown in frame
10h38
